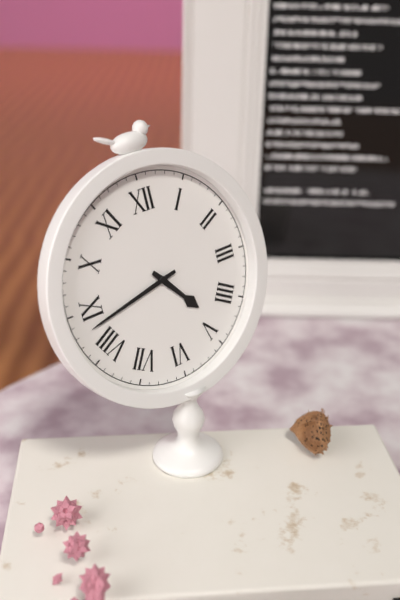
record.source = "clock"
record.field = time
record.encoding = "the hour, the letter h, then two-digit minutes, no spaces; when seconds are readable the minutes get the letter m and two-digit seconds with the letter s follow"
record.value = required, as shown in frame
4h43
